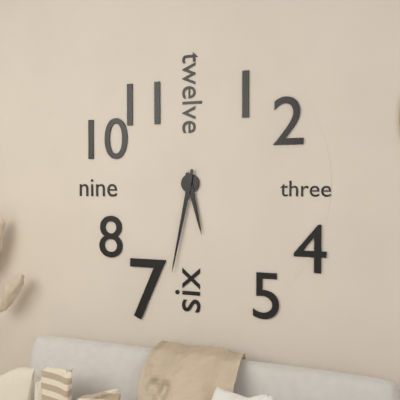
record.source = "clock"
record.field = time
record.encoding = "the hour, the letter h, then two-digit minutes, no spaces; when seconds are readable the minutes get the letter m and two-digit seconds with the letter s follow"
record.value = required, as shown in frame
5h32
